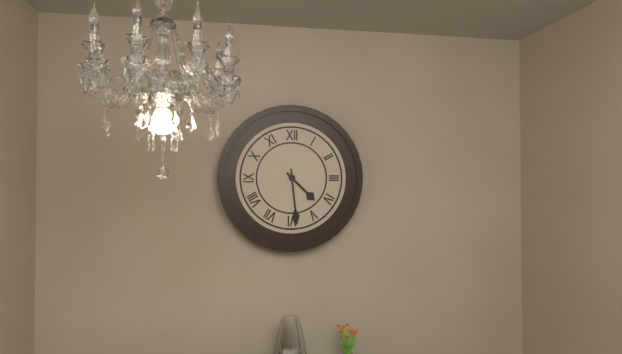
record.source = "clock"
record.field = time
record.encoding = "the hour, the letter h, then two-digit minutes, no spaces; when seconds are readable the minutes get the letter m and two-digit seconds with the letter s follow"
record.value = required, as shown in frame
4h29
